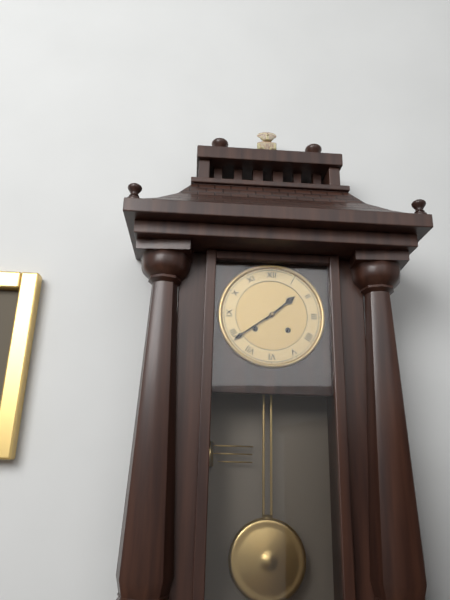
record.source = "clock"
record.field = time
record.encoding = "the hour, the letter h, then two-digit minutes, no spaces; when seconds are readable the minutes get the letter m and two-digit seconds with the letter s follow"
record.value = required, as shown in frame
1h39
